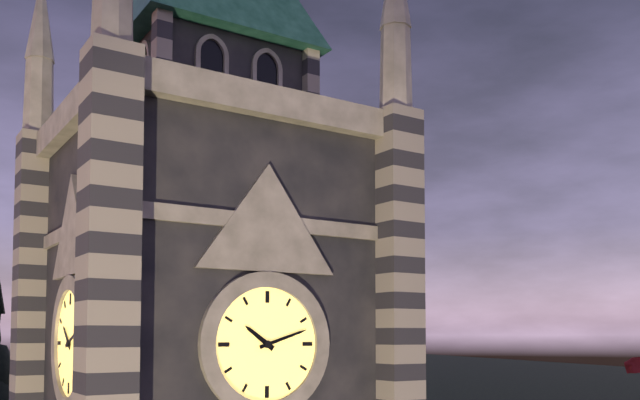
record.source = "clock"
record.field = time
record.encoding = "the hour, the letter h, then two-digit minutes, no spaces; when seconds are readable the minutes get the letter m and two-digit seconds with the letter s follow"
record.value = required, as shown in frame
10h12
